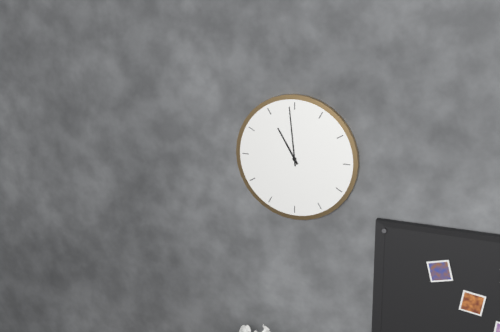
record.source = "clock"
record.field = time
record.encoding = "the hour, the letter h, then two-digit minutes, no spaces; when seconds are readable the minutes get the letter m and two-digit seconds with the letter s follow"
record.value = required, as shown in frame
10h59
